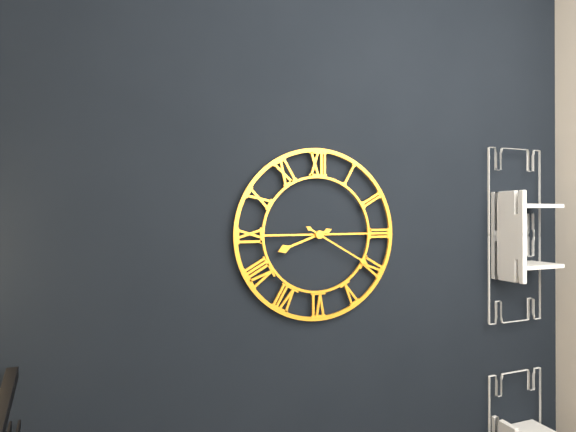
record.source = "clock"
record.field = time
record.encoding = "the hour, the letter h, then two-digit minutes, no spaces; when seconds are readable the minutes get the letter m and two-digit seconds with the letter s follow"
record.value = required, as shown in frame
8h20
